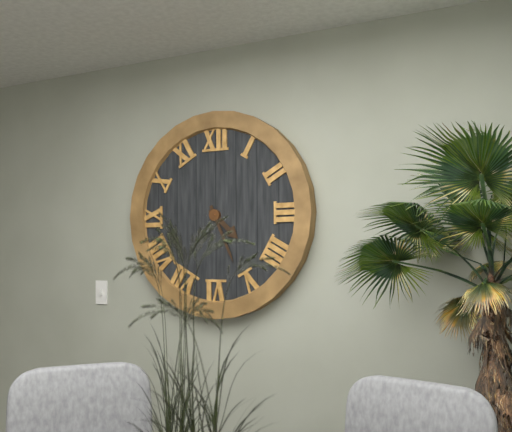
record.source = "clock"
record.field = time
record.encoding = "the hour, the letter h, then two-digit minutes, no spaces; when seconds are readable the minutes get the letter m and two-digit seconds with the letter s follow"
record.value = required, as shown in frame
4h26
